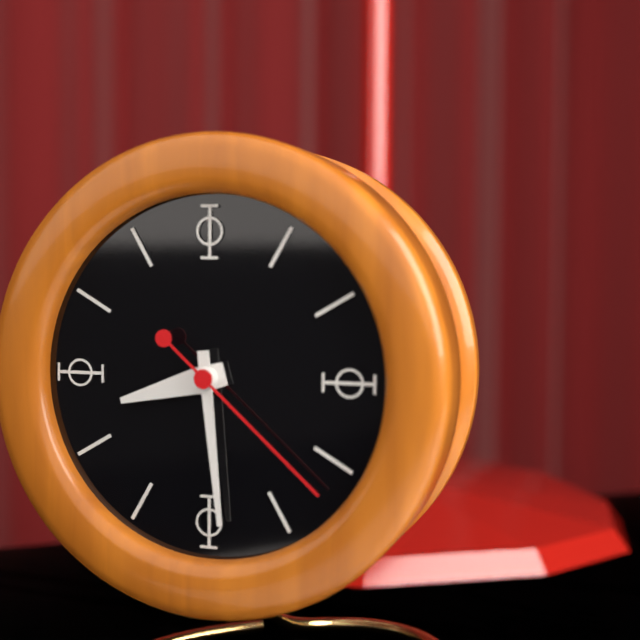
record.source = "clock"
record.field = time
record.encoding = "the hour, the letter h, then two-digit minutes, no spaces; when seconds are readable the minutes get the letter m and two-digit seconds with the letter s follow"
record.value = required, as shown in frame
8h29m22s
